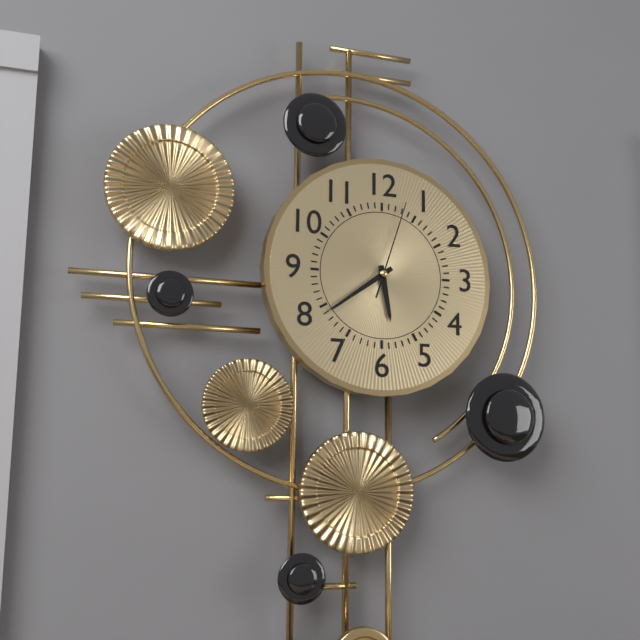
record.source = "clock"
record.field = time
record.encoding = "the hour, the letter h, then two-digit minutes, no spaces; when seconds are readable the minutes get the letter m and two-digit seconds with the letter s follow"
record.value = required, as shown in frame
5h39m03s
